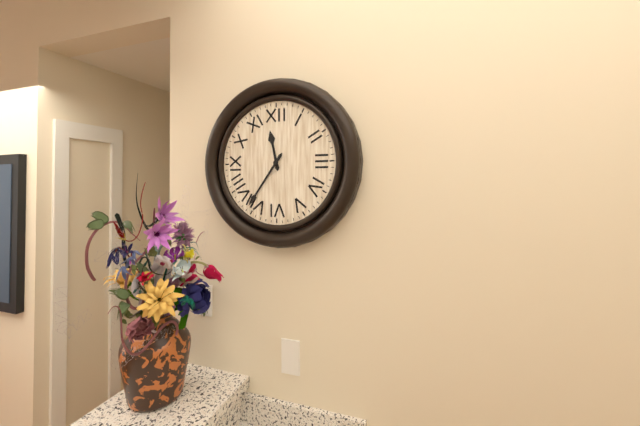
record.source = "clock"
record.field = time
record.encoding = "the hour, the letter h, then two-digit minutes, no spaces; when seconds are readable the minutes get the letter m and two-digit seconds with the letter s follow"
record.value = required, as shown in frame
11h36
